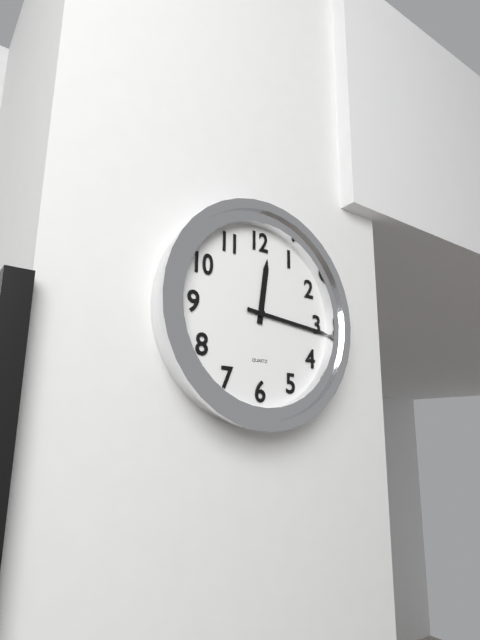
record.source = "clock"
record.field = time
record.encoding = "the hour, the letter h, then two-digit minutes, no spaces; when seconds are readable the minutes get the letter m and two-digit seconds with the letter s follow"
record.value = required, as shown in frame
12h16
